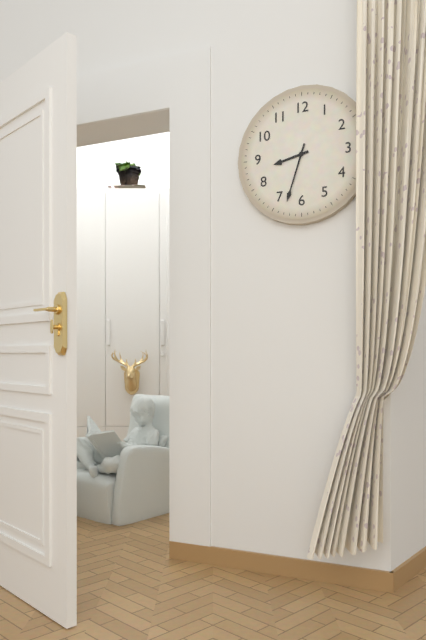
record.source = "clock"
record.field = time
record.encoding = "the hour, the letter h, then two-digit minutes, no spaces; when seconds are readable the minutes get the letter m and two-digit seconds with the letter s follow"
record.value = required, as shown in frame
8h33
